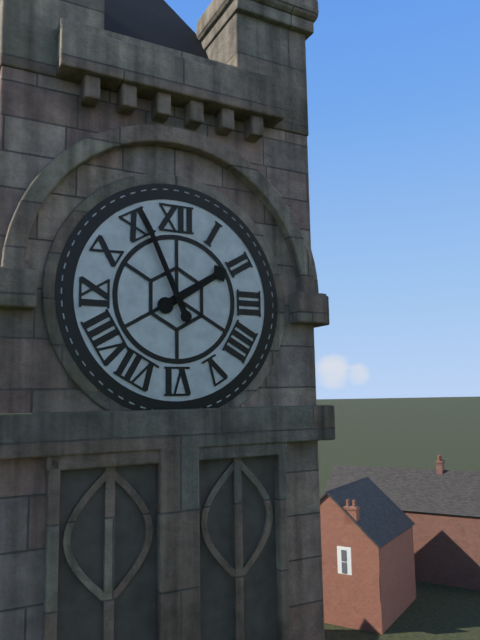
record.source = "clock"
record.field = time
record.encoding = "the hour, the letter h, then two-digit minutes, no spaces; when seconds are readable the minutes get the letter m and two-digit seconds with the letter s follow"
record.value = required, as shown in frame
1h56
